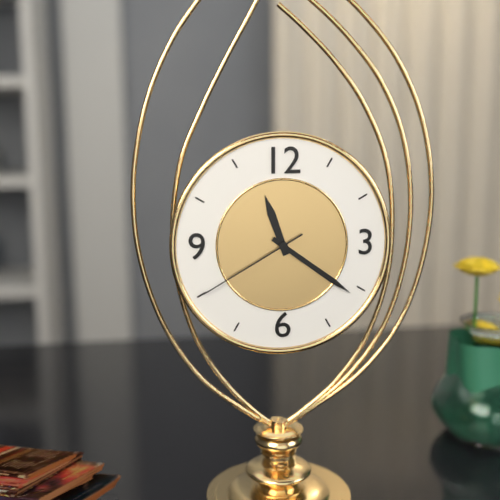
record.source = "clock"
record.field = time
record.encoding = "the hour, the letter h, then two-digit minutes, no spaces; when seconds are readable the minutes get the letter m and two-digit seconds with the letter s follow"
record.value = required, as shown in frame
11h21m40s
